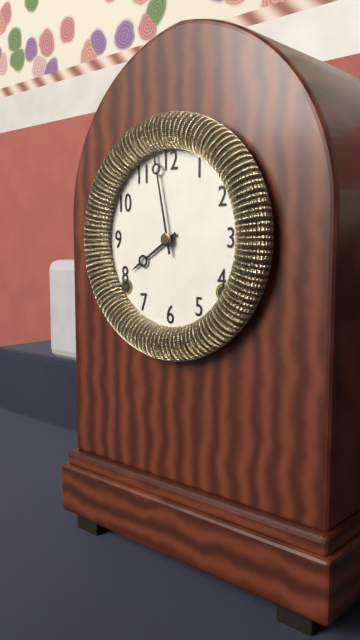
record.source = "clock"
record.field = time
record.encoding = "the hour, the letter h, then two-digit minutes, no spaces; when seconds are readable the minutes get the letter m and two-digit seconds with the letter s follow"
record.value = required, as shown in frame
7h58
